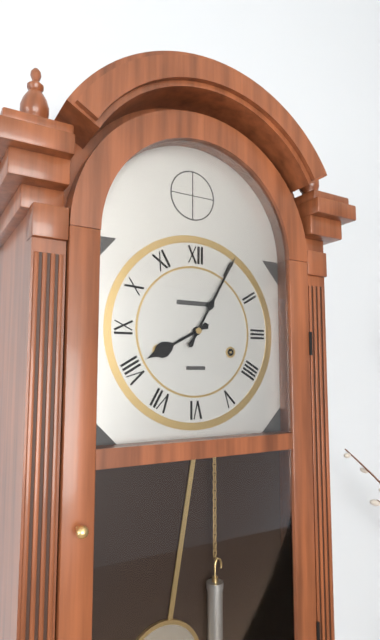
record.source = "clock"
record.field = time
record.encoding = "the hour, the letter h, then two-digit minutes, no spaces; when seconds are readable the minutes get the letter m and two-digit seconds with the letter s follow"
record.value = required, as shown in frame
8h05
